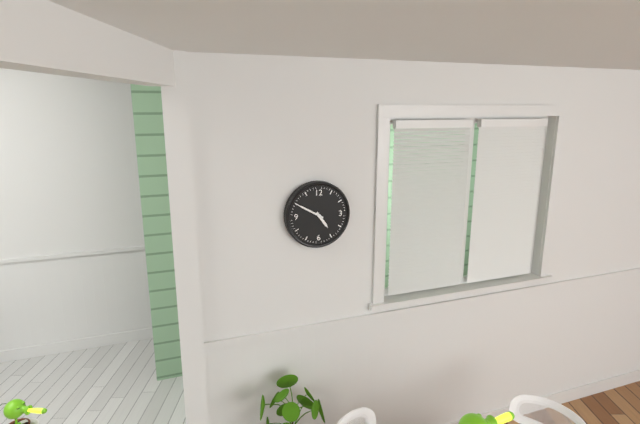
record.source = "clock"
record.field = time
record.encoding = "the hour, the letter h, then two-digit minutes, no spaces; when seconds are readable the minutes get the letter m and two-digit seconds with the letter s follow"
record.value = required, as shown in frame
4h50
